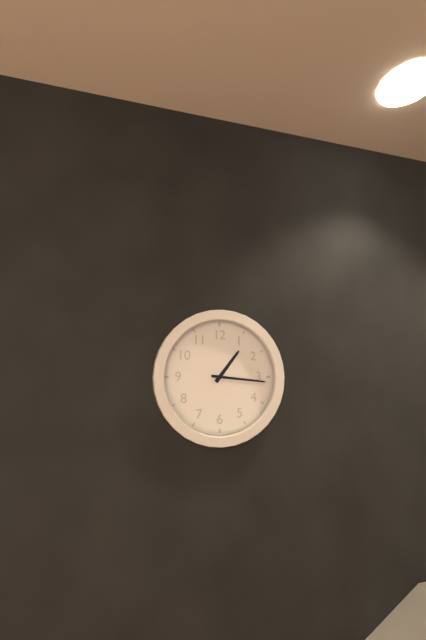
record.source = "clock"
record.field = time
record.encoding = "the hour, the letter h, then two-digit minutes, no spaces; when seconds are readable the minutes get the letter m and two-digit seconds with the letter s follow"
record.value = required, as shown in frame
1h16
